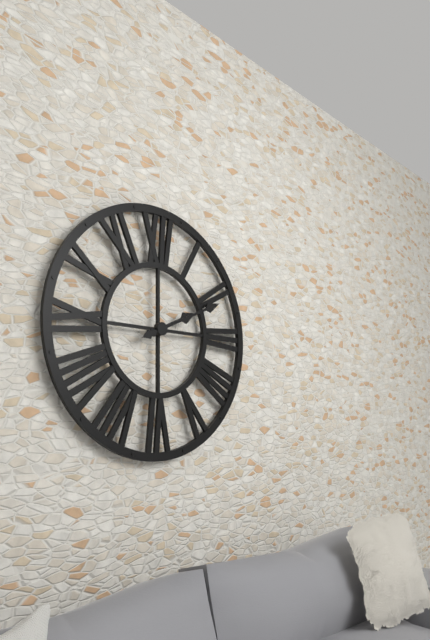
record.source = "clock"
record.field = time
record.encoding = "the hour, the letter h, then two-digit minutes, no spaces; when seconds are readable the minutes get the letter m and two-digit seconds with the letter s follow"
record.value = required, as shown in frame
2h11
